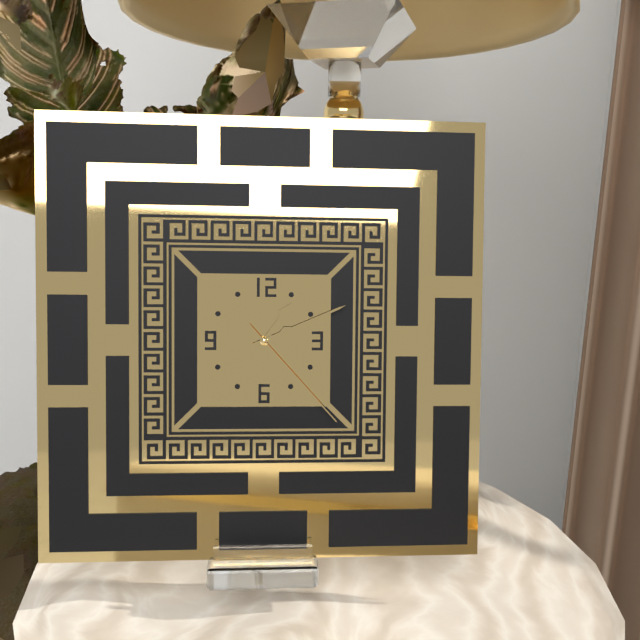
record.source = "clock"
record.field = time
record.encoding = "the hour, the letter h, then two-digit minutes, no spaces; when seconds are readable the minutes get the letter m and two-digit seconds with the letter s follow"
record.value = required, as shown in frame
1h11m23s
